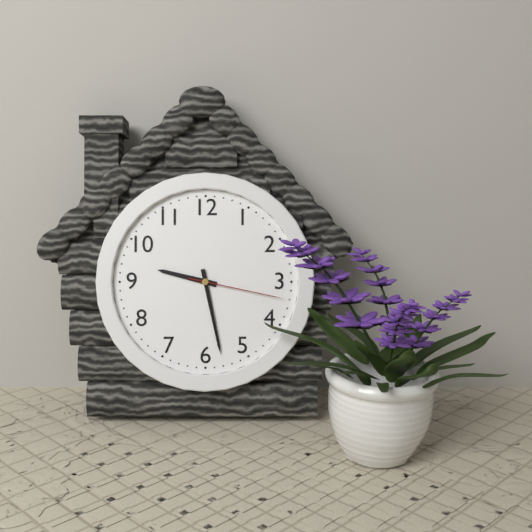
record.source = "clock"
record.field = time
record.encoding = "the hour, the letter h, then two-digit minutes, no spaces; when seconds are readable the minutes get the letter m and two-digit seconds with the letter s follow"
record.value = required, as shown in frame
9h28m17s
